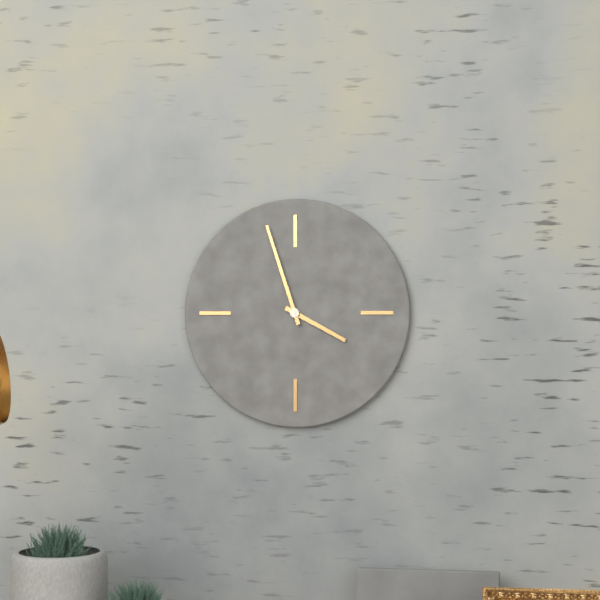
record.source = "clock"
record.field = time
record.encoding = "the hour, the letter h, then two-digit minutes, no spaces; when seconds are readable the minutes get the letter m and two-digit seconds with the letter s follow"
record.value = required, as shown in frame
3h57
